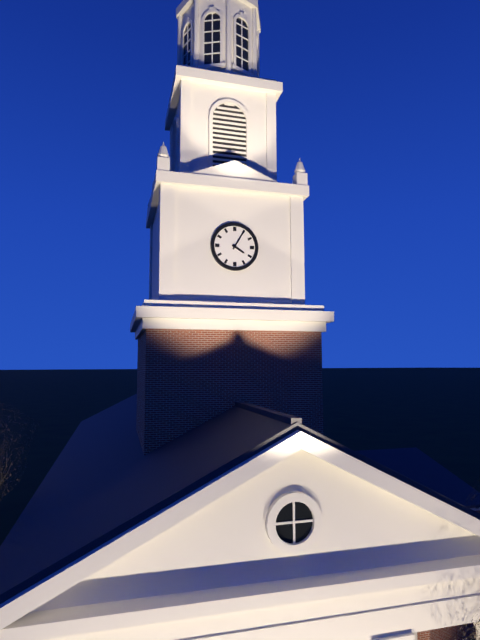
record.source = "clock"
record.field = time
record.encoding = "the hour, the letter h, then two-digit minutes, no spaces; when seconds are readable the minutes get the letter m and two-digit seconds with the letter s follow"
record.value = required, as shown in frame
4h05
